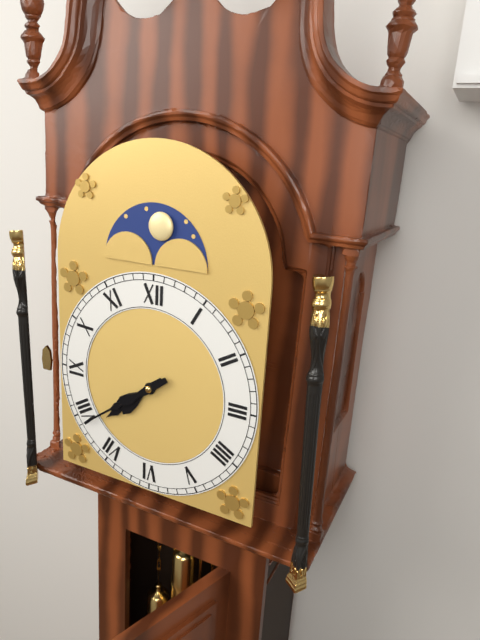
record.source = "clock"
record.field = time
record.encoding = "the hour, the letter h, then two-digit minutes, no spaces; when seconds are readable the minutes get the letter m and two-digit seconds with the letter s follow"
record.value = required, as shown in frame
7h39
